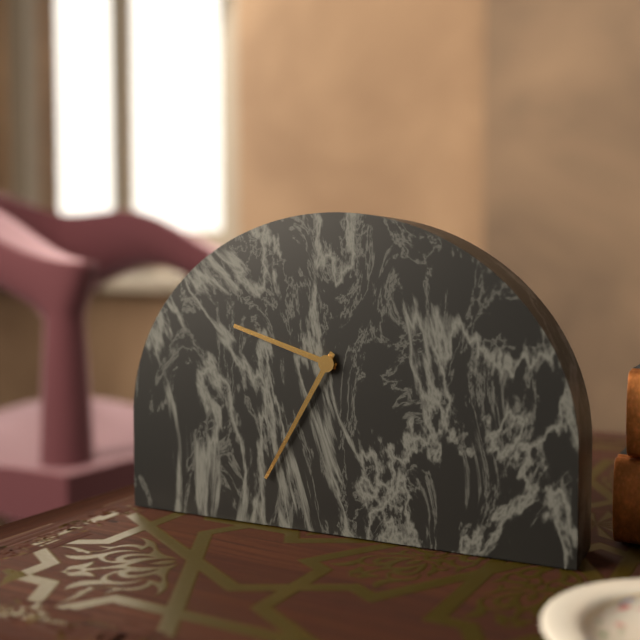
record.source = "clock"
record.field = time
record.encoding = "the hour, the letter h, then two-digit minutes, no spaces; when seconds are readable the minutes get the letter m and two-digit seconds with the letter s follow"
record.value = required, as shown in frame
9h35
